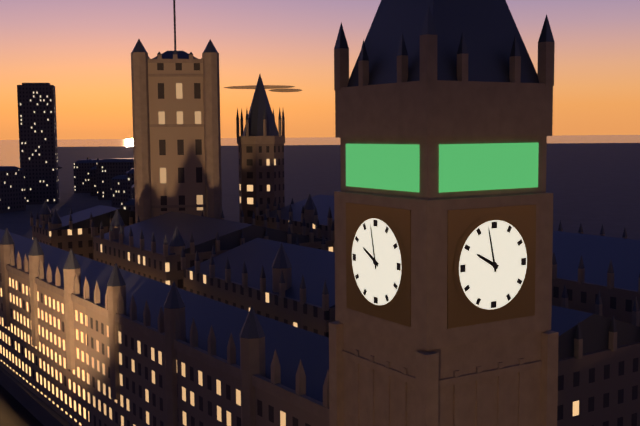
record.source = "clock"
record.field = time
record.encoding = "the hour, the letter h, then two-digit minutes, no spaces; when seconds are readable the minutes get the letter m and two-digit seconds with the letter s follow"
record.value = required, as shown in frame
9h58
